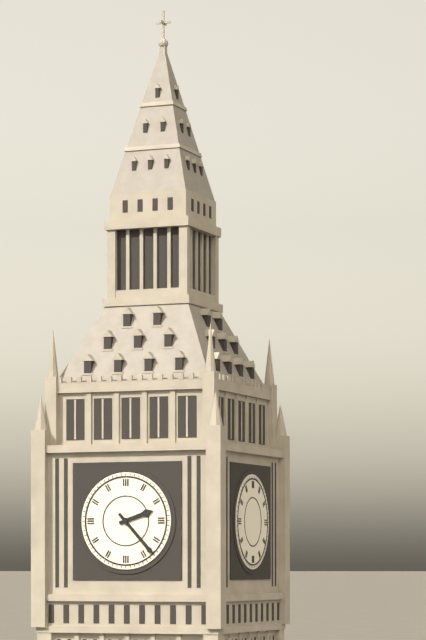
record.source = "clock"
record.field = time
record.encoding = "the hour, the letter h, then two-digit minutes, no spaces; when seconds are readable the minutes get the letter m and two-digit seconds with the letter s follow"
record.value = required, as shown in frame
2h23
